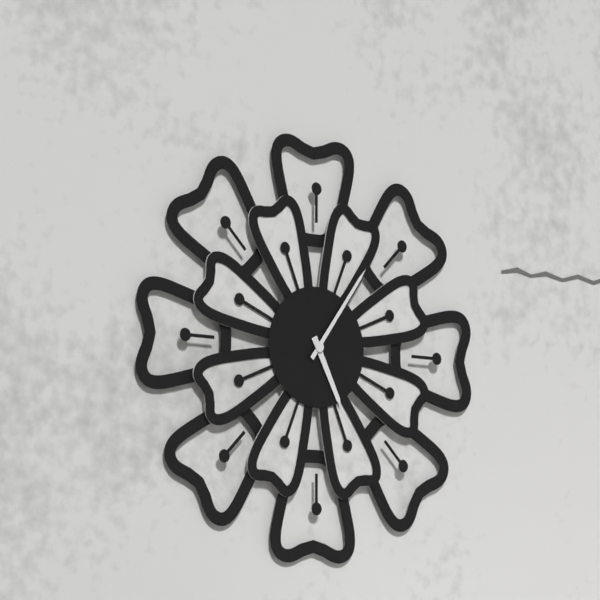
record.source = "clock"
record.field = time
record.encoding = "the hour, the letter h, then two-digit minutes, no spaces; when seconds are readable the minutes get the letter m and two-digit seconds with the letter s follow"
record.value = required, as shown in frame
5h06
